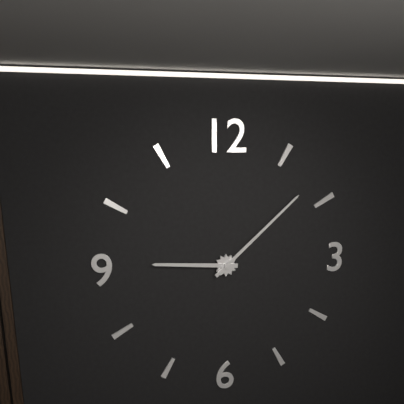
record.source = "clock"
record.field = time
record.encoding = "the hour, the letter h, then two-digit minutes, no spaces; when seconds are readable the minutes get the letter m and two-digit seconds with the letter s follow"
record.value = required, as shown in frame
9h08
